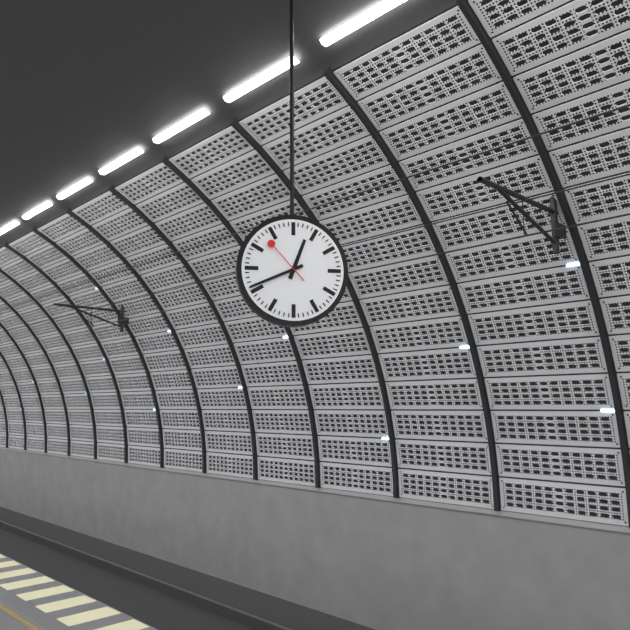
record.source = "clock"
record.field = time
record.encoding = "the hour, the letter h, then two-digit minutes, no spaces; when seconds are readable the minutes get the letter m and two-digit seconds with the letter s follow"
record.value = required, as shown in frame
12h41
